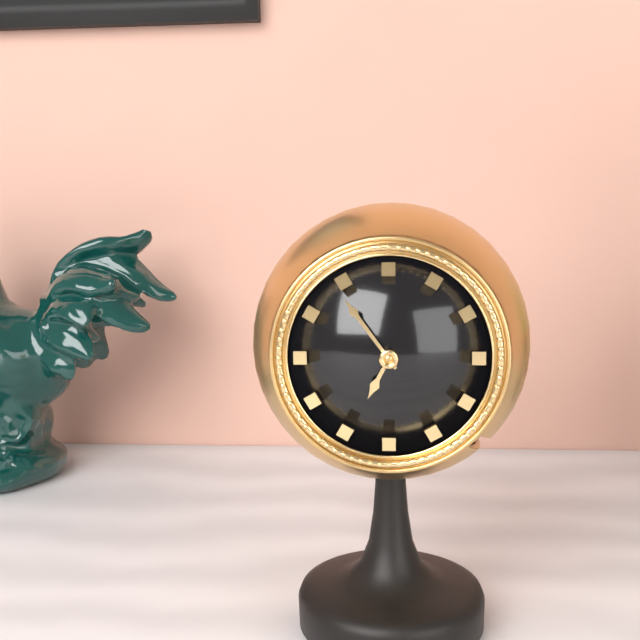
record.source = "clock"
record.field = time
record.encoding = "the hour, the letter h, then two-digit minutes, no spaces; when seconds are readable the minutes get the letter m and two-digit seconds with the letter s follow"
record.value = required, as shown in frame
6h54
